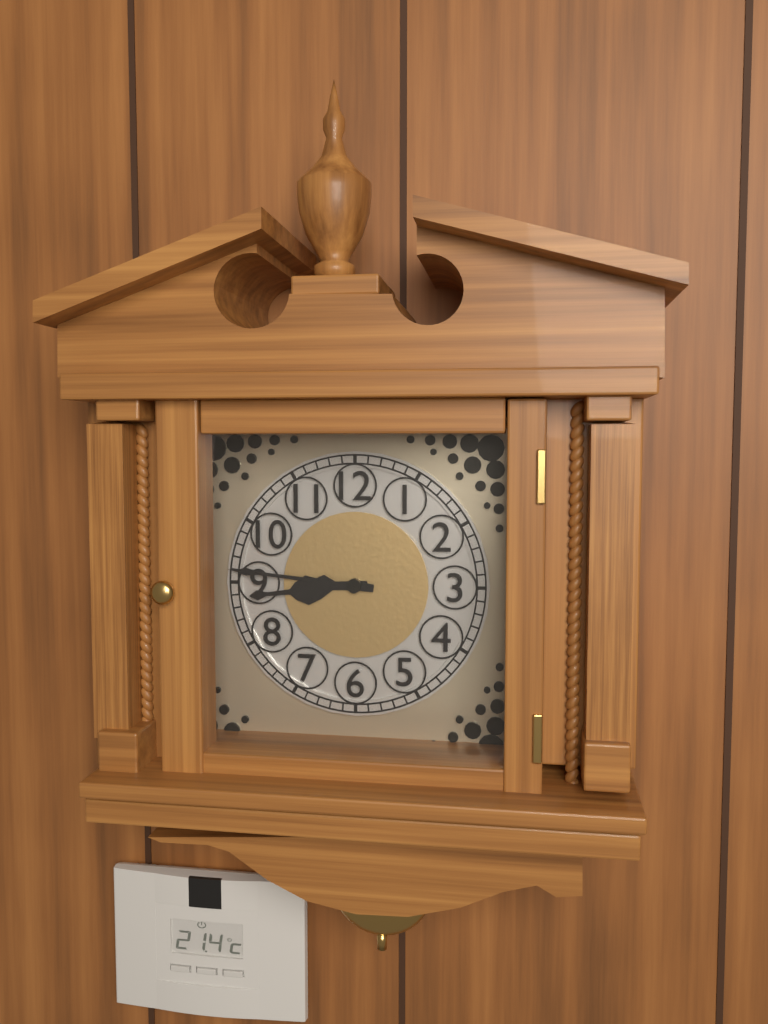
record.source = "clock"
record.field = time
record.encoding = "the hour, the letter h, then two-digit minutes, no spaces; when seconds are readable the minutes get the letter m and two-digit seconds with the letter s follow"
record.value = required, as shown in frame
8h46
